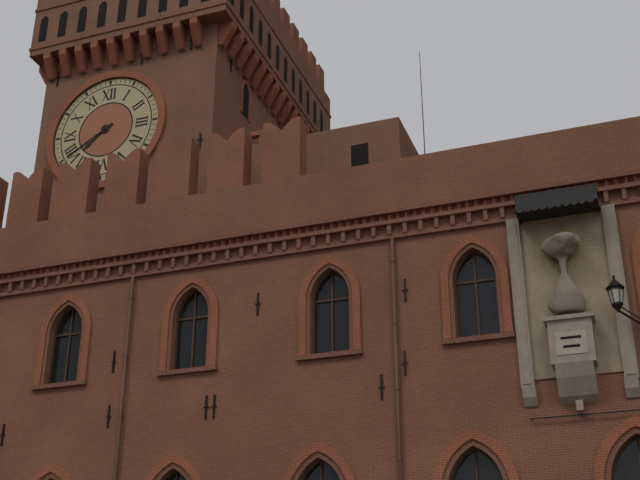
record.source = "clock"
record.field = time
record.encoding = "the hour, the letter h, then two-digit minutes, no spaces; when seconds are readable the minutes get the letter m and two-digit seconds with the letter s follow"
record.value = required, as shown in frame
7h40
